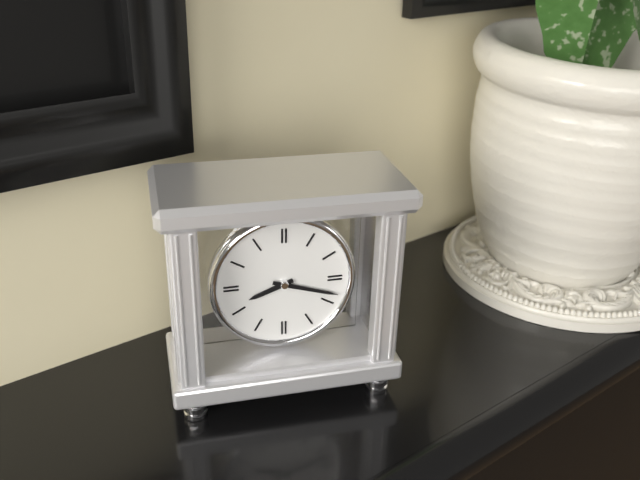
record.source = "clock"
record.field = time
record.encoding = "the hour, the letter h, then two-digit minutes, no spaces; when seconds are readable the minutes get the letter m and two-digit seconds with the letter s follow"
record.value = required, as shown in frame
8h18
